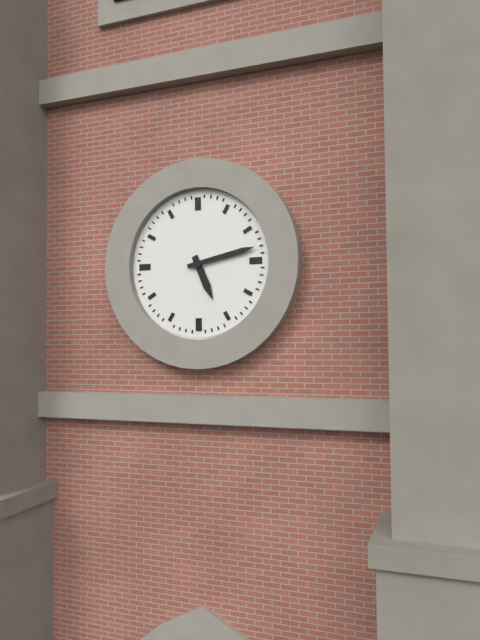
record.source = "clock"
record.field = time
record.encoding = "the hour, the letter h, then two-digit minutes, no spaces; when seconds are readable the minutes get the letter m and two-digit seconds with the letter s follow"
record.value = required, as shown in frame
5h13
